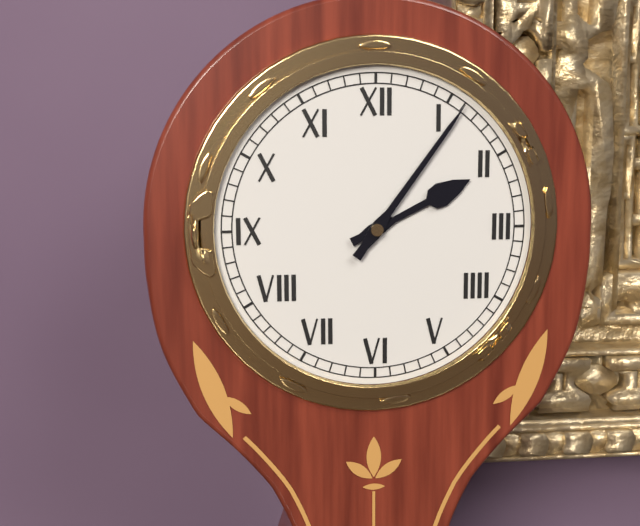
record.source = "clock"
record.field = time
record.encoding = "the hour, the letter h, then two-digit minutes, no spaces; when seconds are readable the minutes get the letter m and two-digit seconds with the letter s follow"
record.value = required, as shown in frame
2h06
